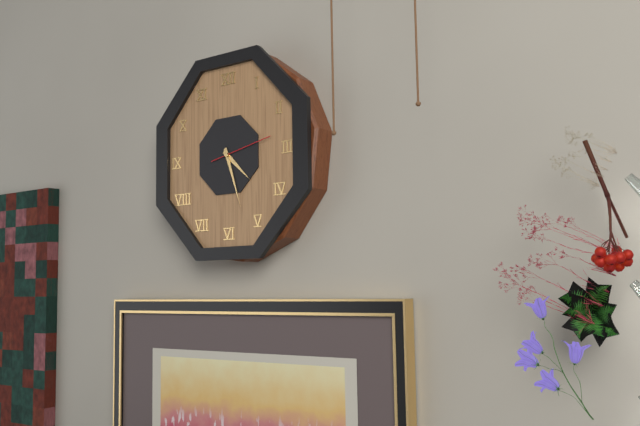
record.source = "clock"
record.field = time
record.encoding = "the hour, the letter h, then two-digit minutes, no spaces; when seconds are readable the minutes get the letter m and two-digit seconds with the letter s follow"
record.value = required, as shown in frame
4h27
